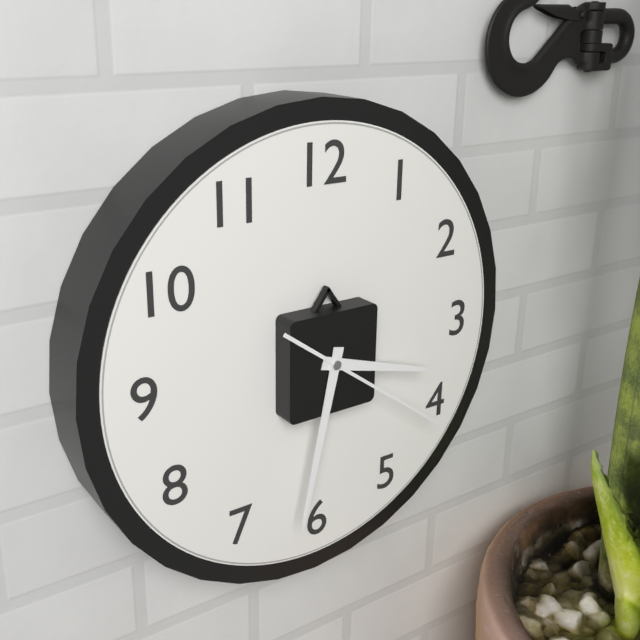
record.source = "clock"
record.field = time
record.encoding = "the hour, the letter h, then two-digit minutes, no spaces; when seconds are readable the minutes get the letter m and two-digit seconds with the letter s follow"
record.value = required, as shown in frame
3h32m21s
